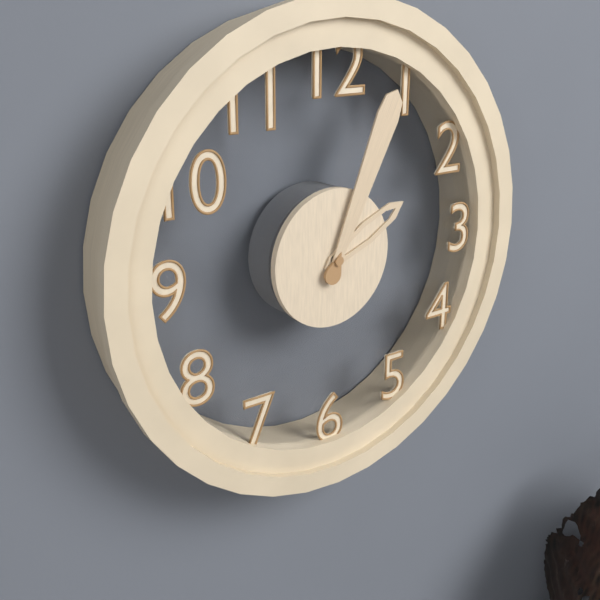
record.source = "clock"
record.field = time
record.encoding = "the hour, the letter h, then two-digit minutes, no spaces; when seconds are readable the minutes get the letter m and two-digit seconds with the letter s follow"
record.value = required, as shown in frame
2h04
